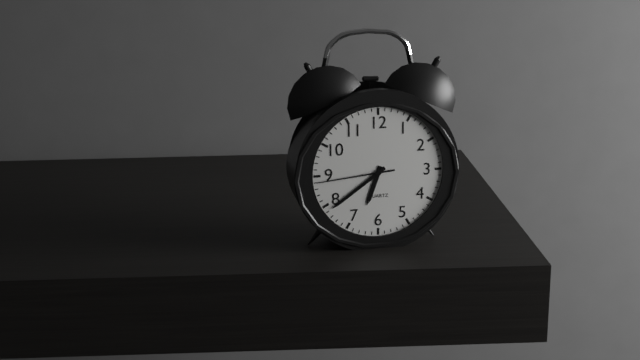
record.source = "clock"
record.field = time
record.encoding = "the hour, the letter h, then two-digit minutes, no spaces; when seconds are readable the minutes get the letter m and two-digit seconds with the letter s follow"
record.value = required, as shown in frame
6h39m44s
